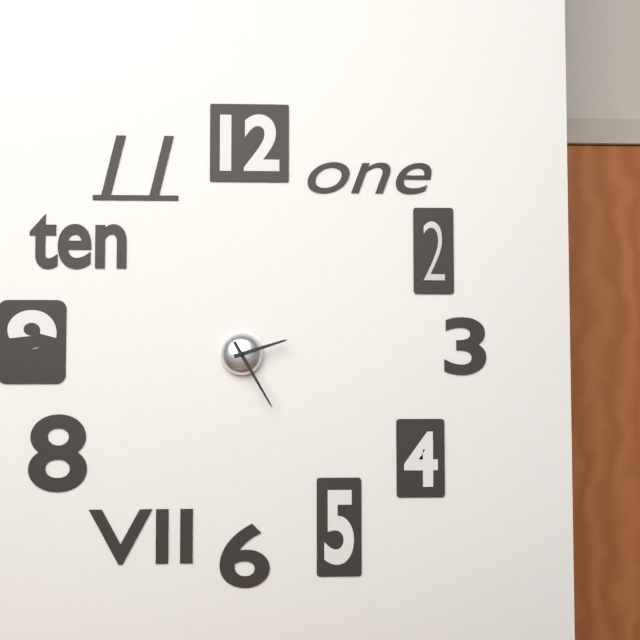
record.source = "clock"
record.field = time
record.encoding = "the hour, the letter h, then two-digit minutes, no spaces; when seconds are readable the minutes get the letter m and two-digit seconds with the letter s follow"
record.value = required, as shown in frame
2h25
